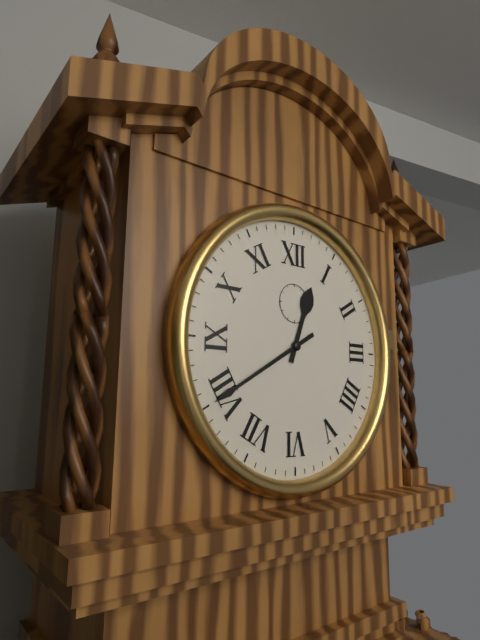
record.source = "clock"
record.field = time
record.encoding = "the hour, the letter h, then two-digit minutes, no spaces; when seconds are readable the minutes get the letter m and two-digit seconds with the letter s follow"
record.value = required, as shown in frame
12h40
